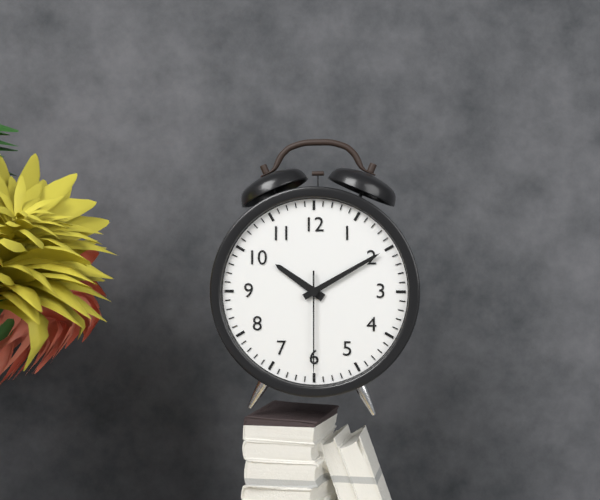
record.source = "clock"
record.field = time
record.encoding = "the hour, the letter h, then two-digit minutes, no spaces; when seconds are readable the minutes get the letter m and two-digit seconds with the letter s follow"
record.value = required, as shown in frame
10h10m30s
